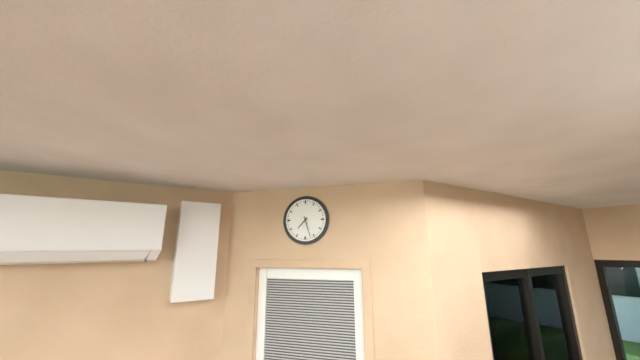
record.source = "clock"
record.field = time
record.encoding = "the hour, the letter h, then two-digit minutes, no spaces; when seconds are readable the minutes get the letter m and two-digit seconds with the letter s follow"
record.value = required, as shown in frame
7h27
